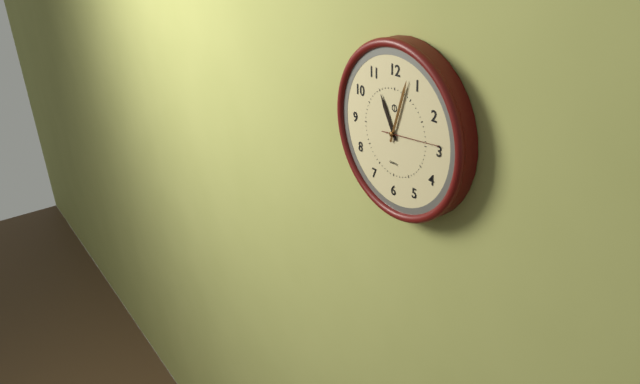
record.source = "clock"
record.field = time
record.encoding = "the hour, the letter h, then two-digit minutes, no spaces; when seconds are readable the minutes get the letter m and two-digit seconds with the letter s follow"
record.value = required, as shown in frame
11h03m14s
